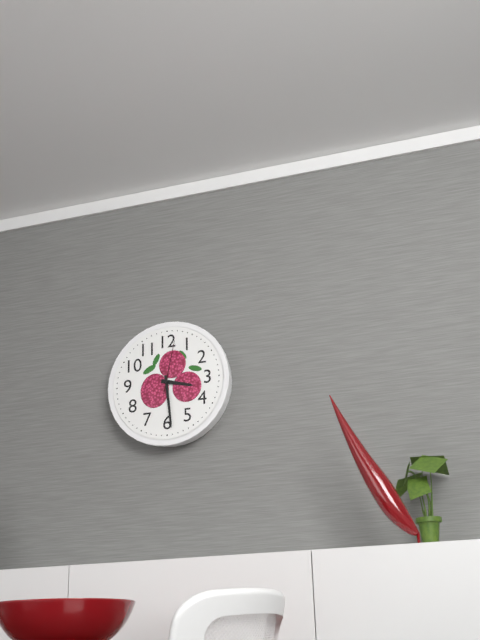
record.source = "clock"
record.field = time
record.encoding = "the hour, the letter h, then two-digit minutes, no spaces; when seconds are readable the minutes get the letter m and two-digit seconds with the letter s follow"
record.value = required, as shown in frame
3h29m02s
